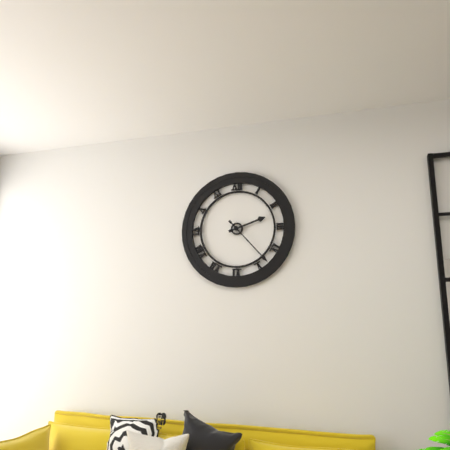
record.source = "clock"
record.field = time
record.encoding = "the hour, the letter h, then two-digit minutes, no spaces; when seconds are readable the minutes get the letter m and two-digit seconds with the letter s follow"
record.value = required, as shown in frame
2h23
